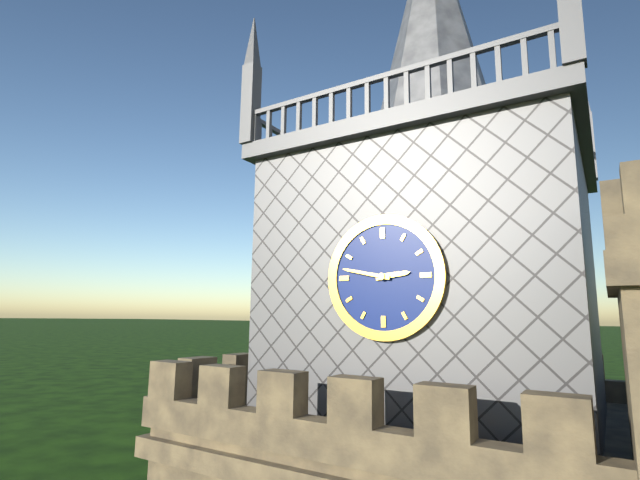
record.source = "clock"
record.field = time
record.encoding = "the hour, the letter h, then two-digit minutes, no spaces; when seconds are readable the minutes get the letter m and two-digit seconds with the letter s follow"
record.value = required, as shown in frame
2h47
